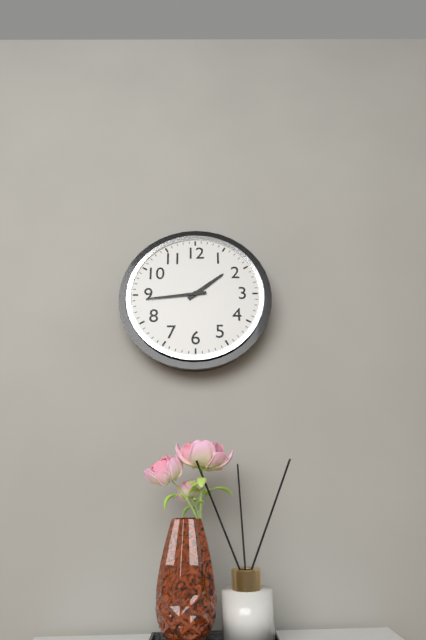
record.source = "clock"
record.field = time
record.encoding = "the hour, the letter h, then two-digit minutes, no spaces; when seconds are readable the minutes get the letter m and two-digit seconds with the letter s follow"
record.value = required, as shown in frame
1h44
